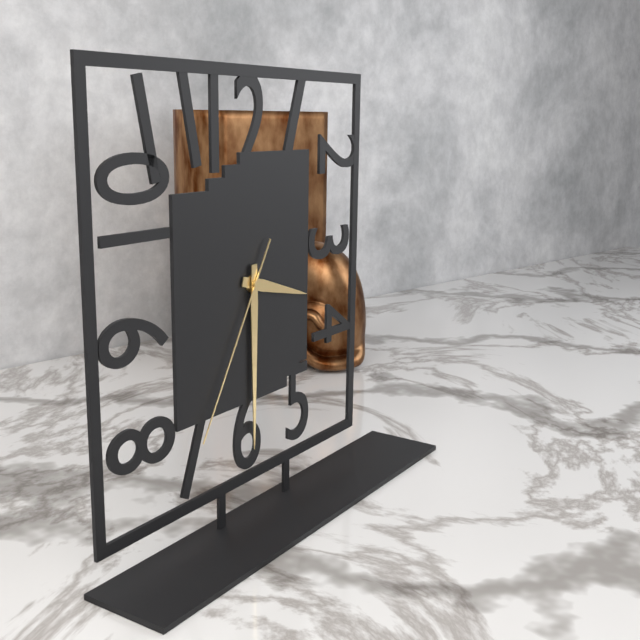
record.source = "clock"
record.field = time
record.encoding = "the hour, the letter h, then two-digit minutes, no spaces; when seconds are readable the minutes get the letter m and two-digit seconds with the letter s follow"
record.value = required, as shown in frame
3h30m35s
